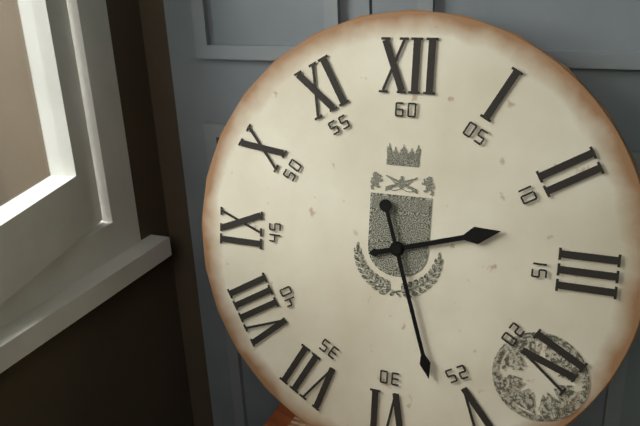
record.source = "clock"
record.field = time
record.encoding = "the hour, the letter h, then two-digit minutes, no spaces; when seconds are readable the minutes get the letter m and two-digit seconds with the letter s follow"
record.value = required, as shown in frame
2h27
